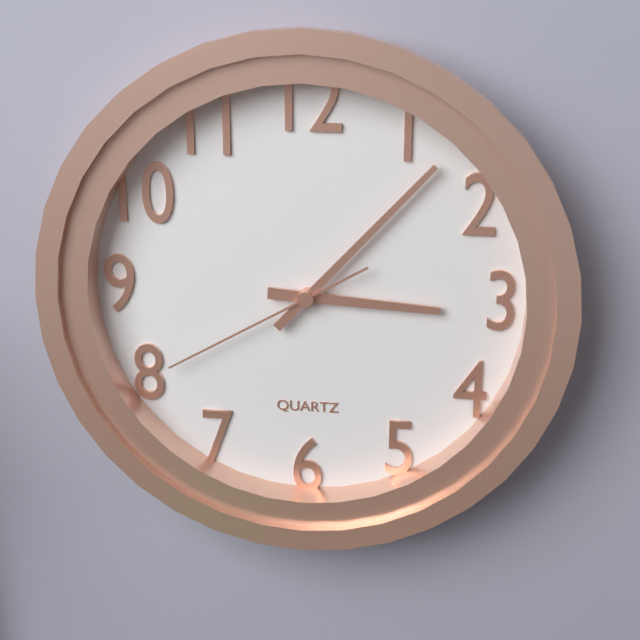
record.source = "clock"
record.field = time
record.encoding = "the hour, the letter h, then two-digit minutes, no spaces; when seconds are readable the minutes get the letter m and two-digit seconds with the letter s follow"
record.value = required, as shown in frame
3h07m40s
